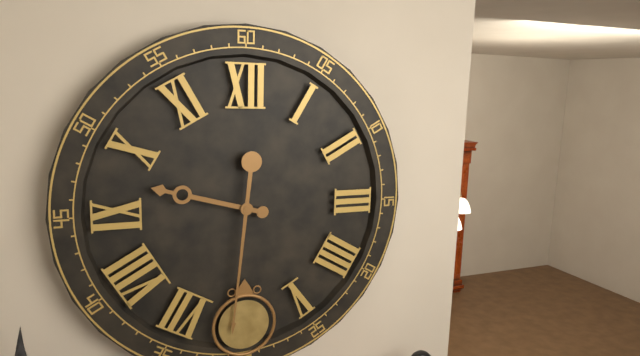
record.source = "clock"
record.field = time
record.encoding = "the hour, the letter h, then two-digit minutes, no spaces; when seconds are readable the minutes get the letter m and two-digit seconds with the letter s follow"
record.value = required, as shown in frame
9h31
